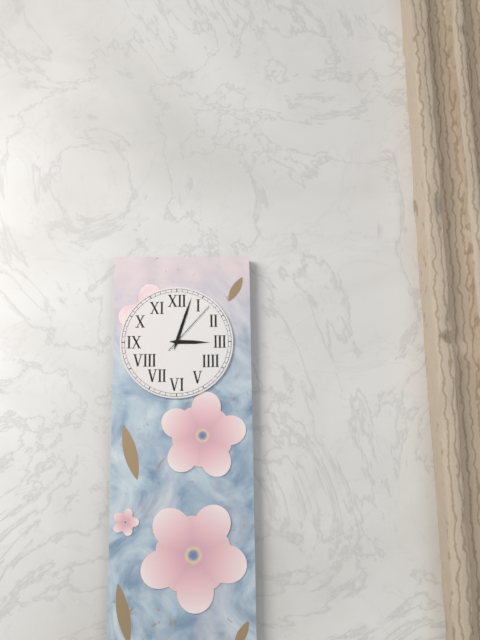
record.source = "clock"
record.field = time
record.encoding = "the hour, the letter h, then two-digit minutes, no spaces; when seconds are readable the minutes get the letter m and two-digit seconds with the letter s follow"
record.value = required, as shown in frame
3h03m07s
